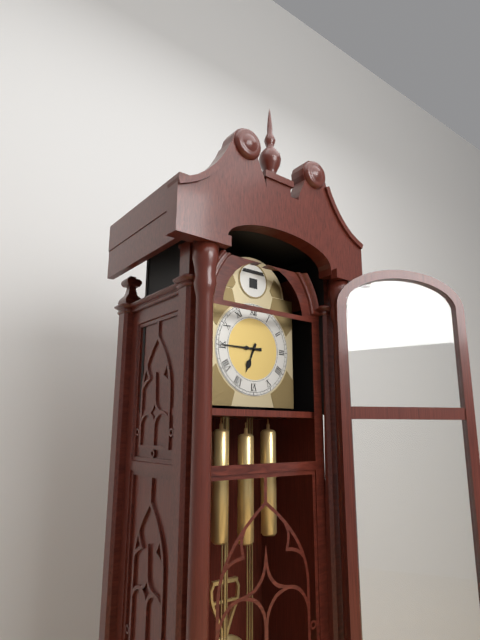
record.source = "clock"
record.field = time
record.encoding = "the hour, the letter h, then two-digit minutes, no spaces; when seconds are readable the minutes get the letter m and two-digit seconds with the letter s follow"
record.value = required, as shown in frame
6h45
